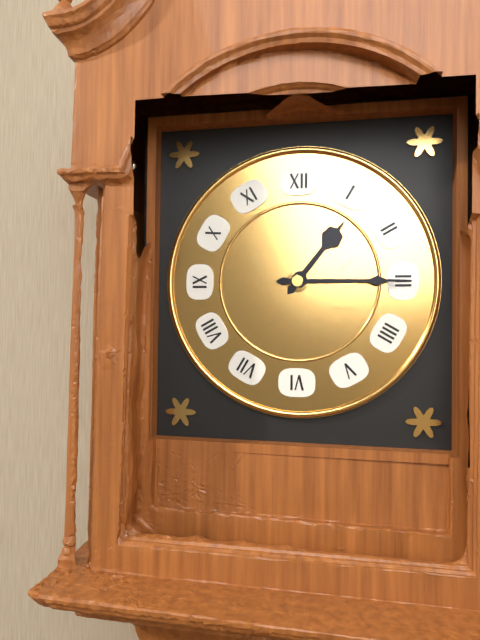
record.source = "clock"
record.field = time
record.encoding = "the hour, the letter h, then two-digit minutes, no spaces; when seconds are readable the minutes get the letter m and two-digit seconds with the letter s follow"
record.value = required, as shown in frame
1h15
